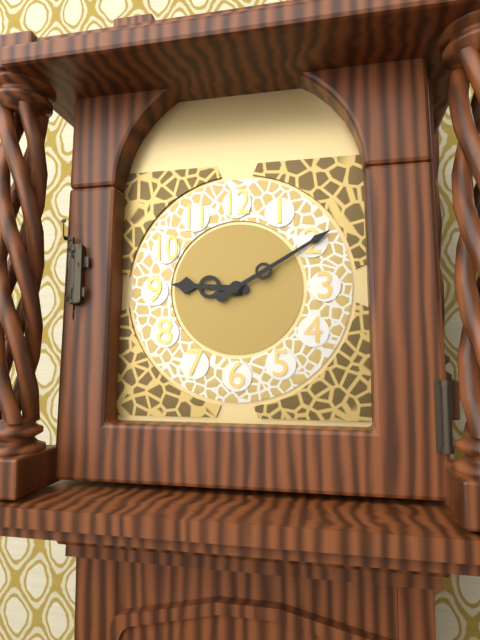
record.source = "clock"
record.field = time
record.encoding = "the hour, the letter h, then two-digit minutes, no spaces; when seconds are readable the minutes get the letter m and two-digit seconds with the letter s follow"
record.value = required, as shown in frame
9h10
